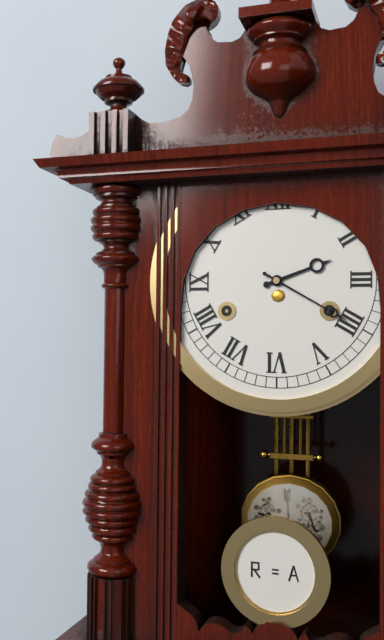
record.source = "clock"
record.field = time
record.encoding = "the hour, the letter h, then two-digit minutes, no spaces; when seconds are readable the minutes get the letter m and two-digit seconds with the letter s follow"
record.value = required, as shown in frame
2h20
